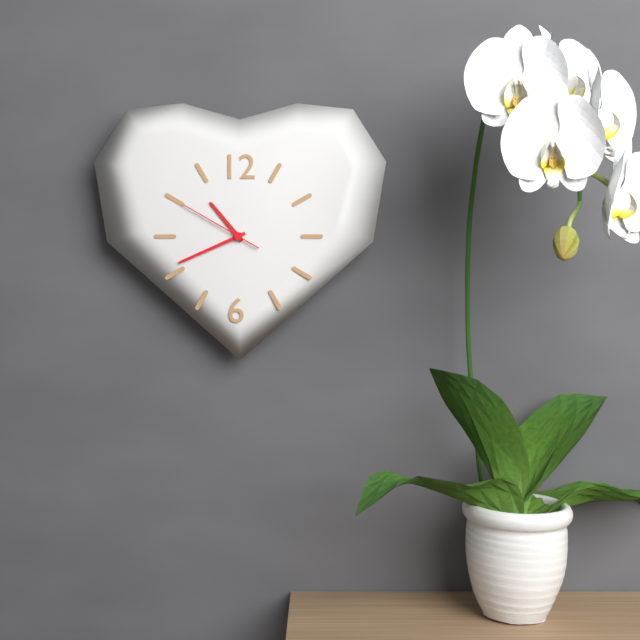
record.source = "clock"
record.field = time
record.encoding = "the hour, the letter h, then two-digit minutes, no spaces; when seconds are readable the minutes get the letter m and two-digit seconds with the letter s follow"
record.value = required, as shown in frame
10h41m50s
